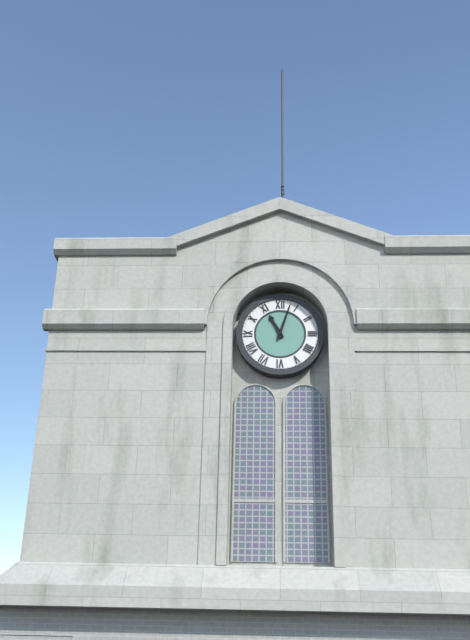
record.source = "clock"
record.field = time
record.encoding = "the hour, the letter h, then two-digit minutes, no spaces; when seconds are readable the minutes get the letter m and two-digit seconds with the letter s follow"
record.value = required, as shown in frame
11h03
